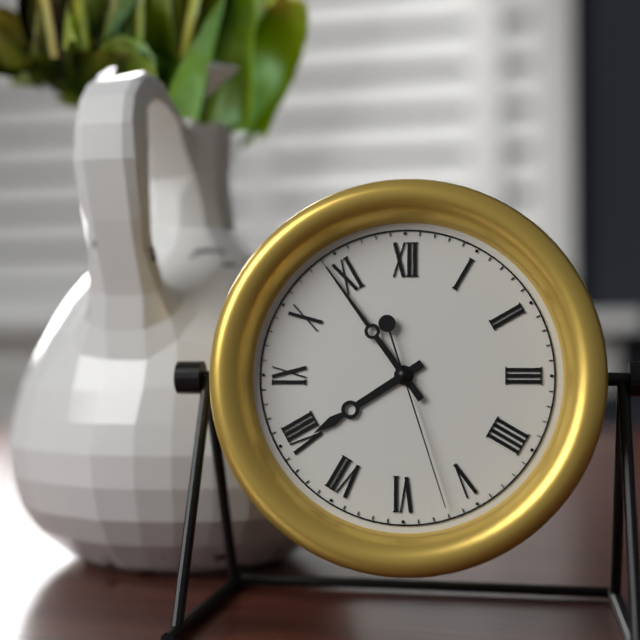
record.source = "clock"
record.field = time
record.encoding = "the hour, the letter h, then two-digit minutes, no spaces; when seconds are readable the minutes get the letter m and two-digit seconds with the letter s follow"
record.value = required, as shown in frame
7h54m27s
